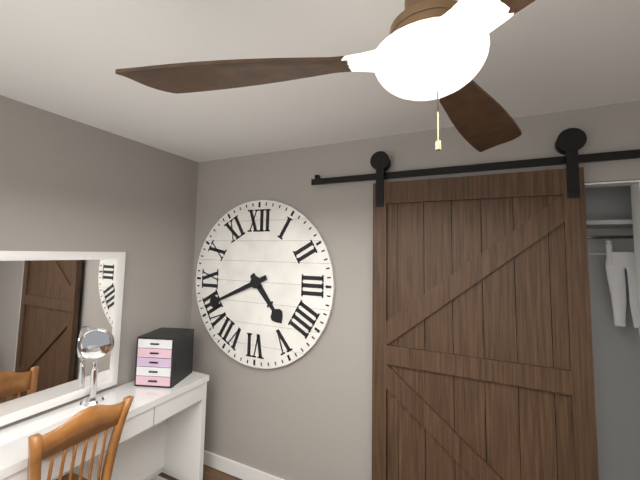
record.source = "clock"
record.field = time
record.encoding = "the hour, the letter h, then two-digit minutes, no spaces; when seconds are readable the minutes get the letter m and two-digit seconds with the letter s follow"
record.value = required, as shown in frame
4h41
